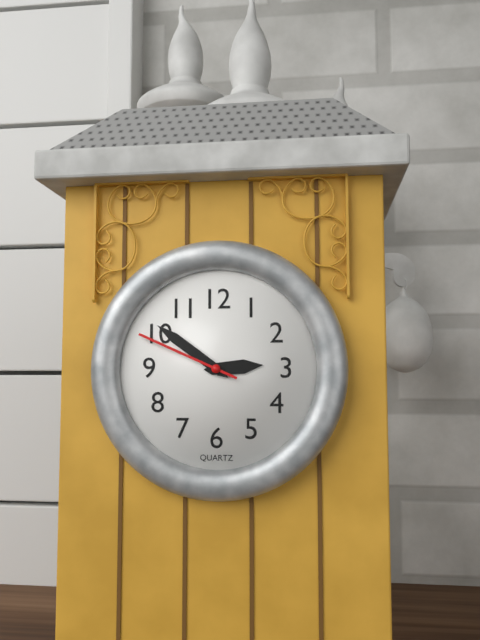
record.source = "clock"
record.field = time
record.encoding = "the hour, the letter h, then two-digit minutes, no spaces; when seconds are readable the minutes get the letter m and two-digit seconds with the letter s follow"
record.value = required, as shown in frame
2h51m49s
